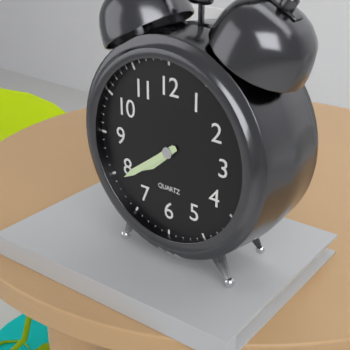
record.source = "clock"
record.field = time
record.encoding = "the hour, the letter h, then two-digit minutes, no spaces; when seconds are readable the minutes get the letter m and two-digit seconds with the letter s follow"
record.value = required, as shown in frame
7h39
